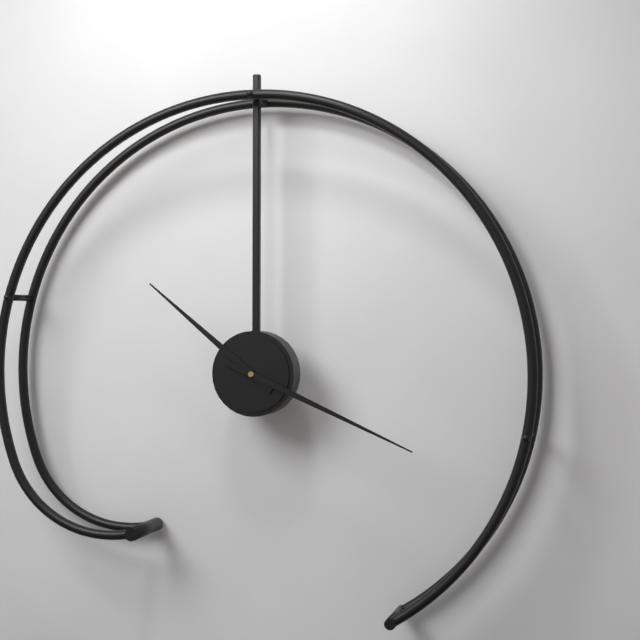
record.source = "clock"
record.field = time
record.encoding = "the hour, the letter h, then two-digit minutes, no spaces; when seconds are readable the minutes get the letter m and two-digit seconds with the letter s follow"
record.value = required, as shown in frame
10h19
